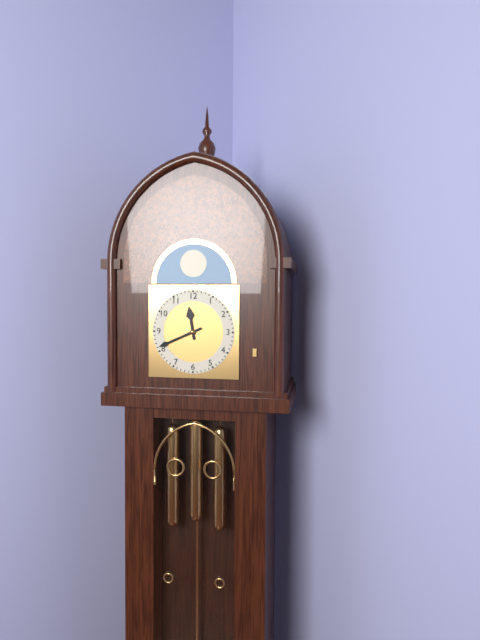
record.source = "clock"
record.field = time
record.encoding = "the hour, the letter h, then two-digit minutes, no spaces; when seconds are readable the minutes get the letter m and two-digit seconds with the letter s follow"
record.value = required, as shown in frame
11h41
